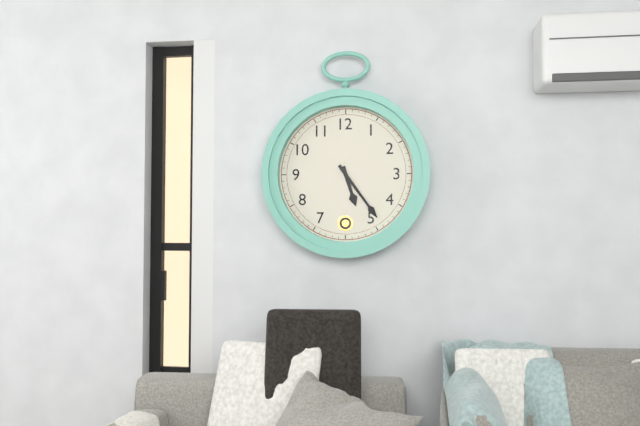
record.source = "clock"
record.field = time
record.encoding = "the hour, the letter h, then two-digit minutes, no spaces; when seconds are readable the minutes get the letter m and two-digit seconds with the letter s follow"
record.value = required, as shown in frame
5h24
